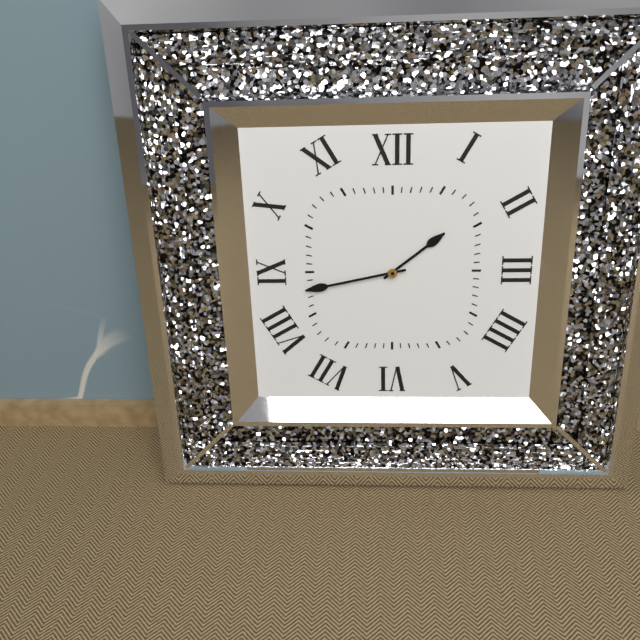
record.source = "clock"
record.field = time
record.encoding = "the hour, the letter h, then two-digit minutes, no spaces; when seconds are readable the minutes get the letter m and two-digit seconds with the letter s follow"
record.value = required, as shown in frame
1h43
